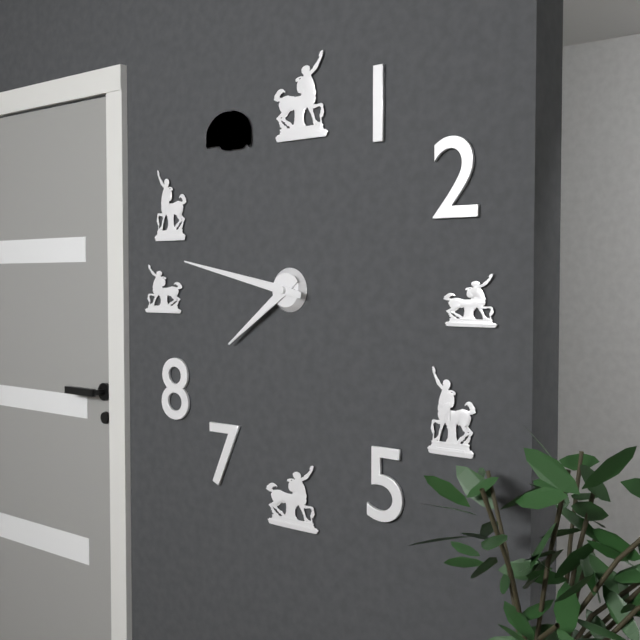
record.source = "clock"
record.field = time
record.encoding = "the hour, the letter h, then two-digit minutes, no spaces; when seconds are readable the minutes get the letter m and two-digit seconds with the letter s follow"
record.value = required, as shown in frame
7h47
